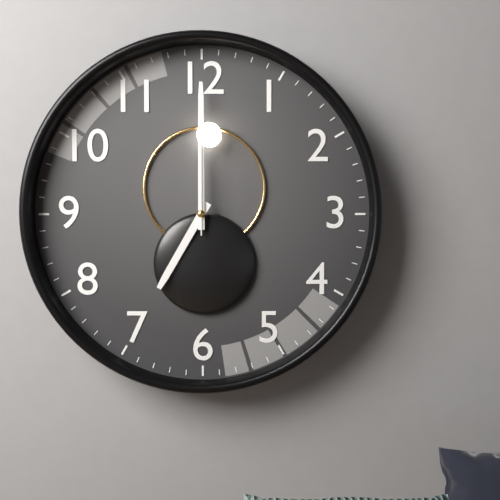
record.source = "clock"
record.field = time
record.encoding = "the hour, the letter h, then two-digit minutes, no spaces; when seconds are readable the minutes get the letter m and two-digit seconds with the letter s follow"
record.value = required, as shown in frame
7h00m00s
